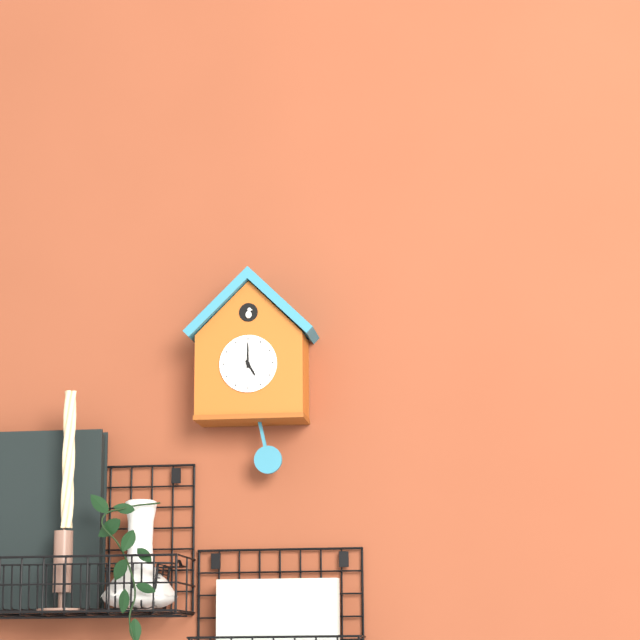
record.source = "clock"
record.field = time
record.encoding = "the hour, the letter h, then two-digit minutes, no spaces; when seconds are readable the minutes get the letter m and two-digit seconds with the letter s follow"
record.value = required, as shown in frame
5h00
